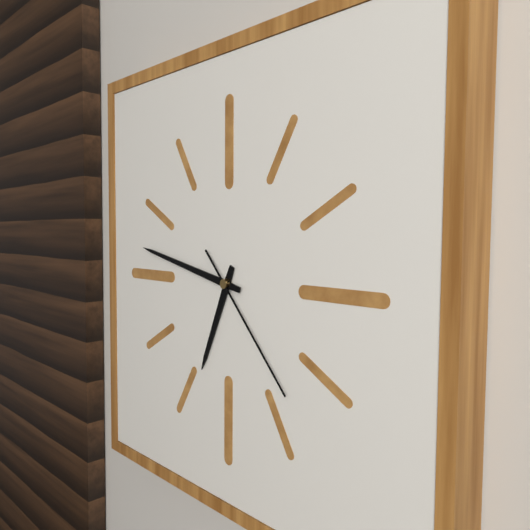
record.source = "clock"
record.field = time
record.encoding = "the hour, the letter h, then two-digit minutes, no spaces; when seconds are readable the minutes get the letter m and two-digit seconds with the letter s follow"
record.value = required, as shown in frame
6h47m23s
